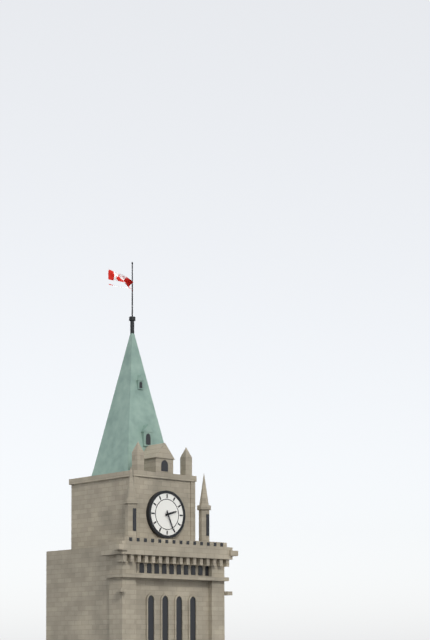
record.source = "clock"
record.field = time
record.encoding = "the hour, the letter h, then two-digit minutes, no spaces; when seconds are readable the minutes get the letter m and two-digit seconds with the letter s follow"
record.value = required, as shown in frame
2h26
